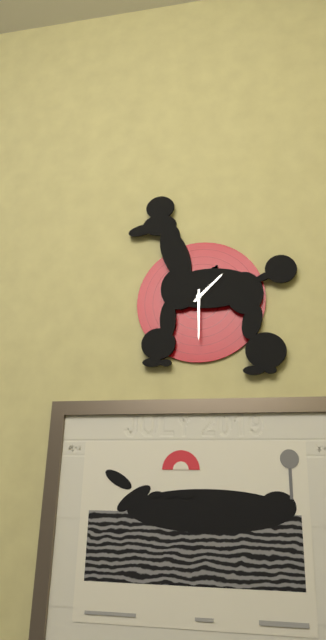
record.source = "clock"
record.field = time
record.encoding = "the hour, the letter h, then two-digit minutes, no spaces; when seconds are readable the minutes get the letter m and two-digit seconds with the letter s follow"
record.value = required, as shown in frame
1h30
